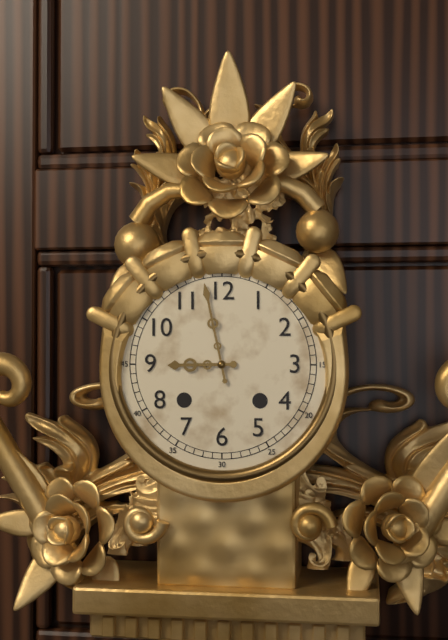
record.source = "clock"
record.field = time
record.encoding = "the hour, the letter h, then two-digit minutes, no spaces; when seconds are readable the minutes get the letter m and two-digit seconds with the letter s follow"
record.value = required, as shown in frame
8h58
